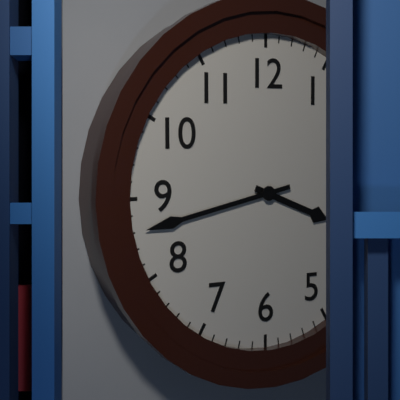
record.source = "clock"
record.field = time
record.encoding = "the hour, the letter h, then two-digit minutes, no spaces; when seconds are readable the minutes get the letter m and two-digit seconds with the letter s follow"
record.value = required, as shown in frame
3h43
